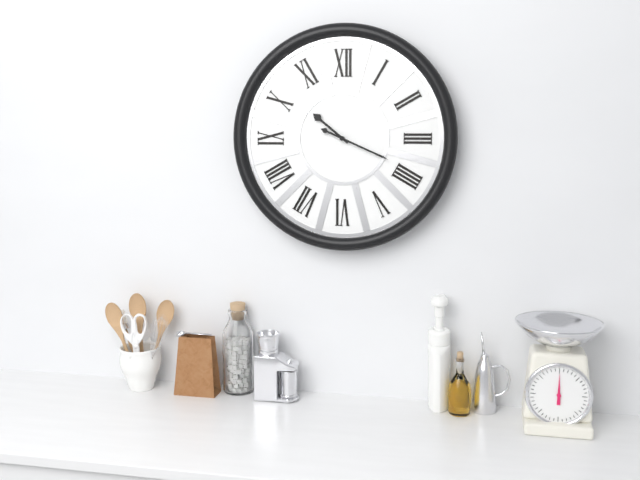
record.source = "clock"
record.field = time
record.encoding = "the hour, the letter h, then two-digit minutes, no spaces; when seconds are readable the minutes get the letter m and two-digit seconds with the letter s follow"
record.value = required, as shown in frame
10h19
